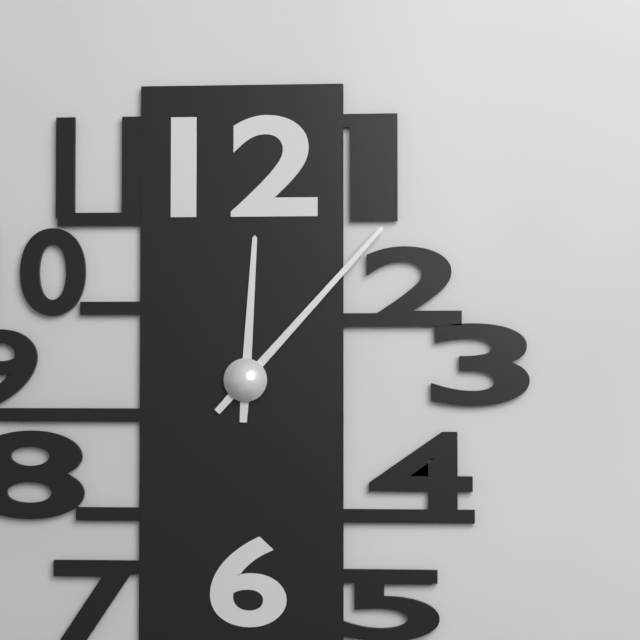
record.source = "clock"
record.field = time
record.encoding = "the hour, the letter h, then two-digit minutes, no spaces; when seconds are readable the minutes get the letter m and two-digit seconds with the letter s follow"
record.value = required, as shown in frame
12h07
